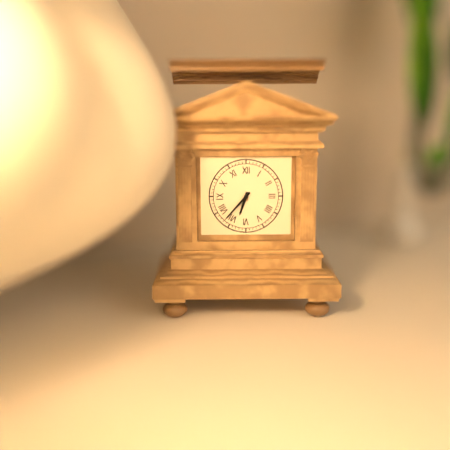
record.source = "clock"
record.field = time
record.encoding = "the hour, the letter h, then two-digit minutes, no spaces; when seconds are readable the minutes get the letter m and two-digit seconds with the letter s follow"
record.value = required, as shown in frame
6h37
